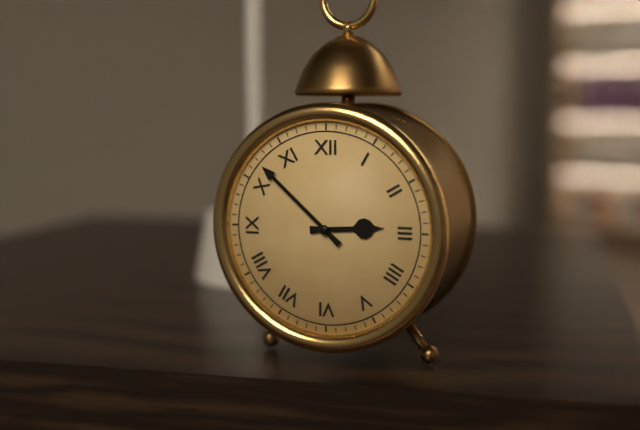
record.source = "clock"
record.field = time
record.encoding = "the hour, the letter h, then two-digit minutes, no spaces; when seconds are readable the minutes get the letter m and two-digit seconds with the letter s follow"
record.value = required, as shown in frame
2h52
